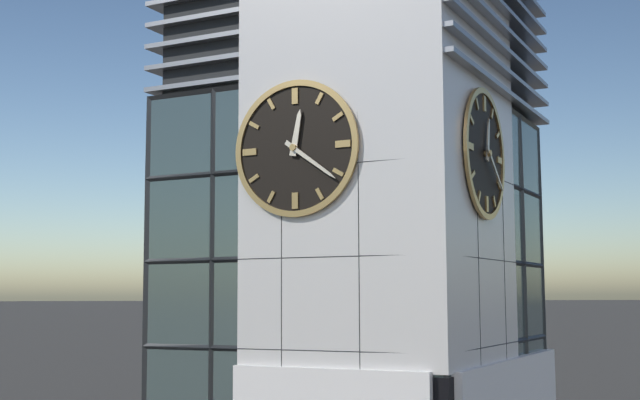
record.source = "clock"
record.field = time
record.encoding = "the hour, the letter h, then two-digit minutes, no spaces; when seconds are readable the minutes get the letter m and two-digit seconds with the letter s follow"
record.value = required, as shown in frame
12h21
